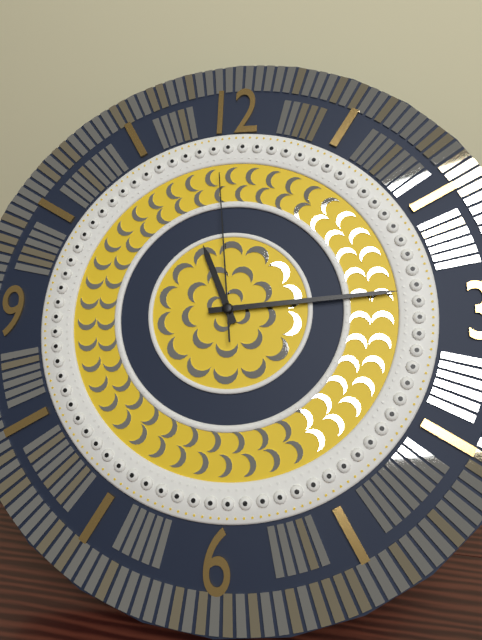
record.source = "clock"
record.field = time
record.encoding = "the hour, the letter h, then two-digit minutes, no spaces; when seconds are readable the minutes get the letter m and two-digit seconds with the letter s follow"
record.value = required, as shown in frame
11h14m59s
